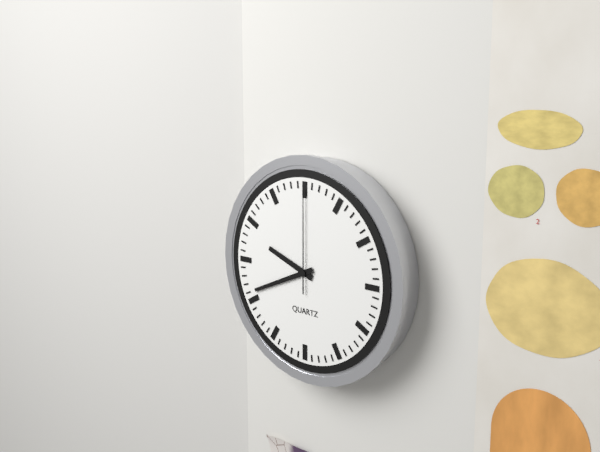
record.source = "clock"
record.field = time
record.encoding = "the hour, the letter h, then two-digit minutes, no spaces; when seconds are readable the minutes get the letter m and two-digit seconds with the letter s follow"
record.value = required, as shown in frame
9h41m00s
